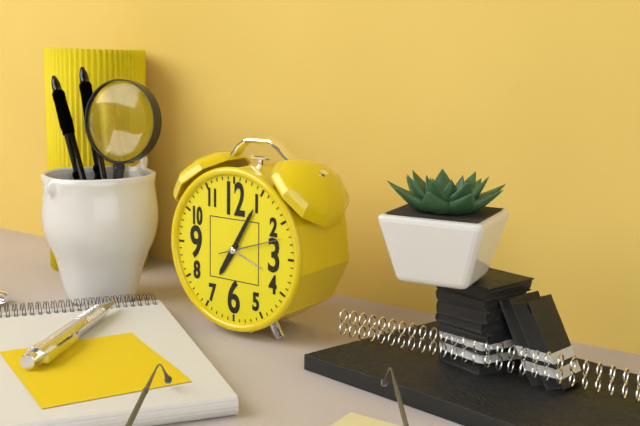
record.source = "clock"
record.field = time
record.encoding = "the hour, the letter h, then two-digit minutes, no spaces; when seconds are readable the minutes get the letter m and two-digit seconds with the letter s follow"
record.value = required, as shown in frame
7h05m12s
